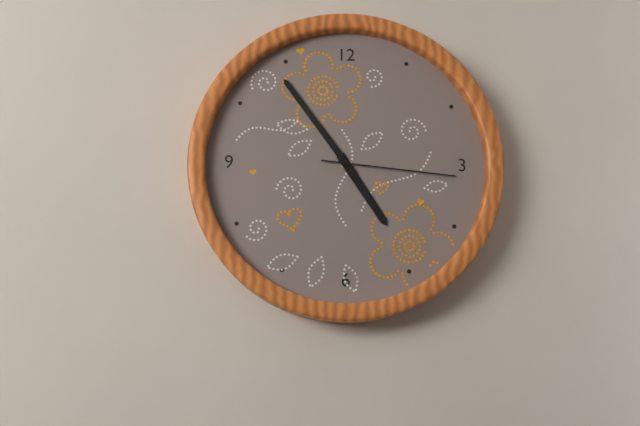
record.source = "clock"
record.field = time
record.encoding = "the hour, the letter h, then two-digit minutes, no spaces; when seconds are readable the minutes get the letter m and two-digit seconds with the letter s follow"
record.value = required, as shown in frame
4h54m16s
